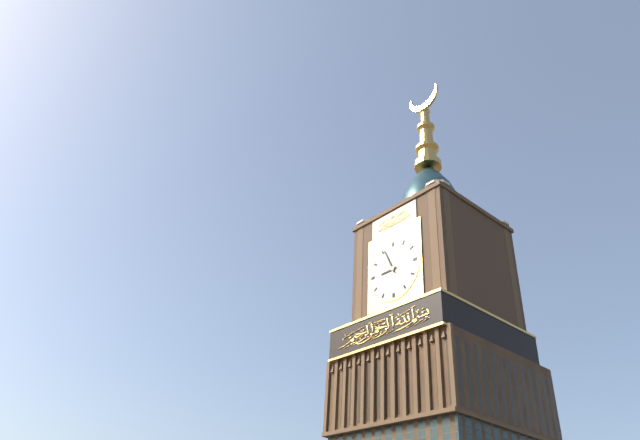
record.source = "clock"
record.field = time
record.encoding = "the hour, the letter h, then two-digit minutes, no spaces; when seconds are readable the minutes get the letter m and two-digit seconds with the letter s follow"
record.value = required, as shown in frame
8h56
